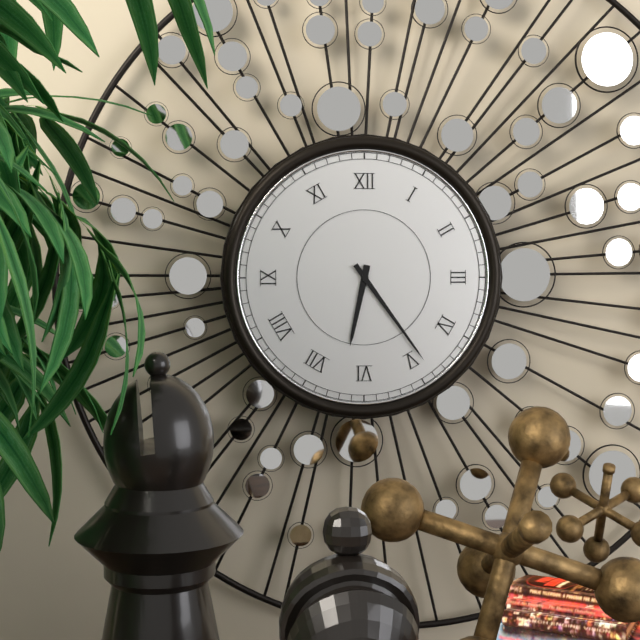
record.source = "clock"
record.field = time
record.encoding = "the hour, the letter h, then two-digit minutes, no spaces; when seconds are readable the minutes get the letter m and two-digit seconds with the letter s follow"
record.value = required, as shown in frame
6h24
